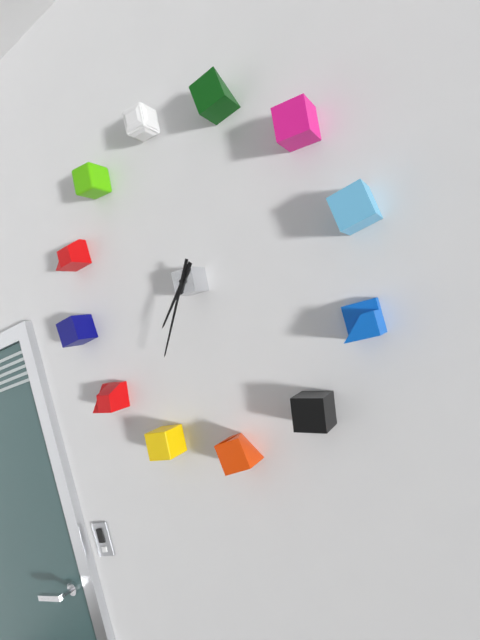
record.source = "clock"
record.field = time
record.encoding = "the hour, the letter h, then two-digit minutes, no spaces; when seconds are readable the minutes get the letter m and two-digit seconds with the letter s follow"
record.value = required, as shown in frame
7h36
